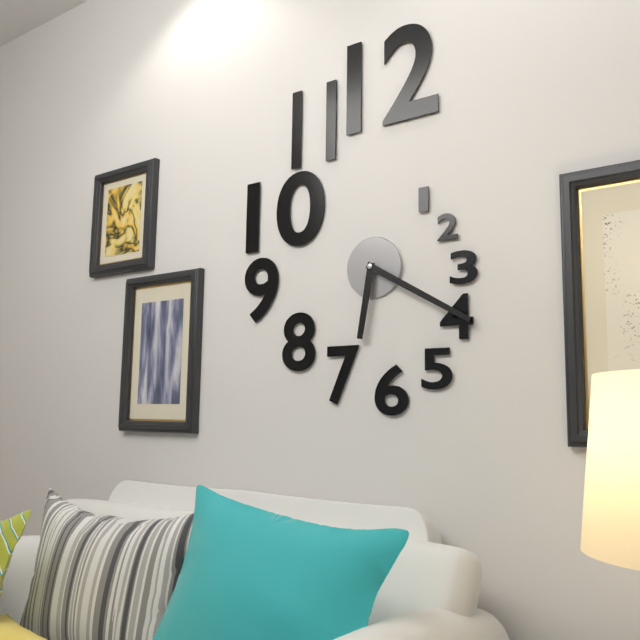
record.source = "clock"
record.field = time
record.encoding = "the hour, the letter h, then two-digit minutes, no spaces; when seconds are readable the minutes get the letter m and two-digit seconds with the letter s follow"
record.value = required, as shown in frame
6h20
